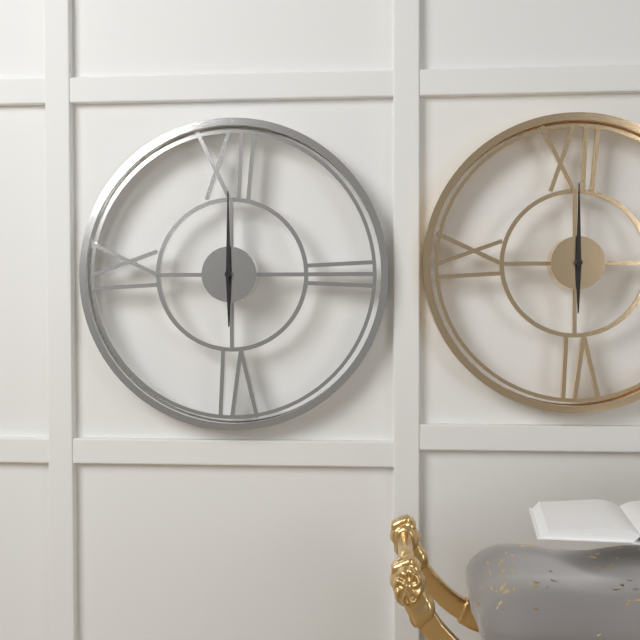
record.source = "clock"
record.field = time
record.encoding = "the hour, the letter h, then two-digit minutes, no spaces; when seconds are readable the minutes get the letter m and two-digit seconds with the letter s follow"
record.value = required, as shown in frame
6h00
